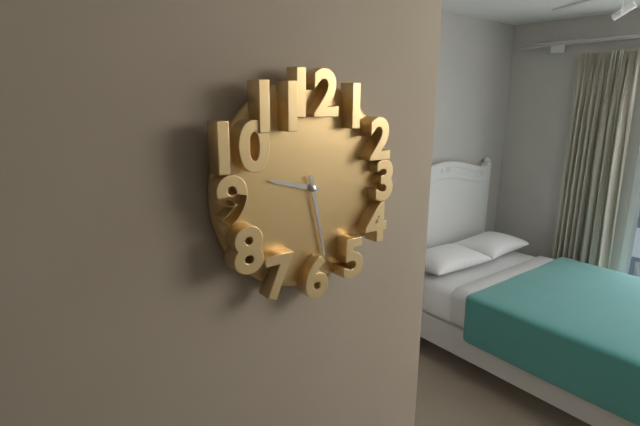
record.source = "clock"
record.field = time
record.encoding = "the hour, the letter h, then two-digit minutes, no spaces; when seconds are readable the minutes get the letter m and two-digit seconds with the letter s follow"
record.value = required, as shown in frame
9h28
